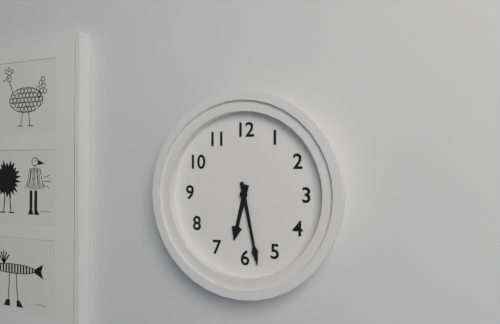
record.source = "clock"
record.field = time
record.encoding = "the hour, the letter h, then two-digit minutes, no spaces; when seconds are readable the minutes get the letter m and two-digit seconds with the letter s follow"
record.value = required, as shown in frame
6h28
